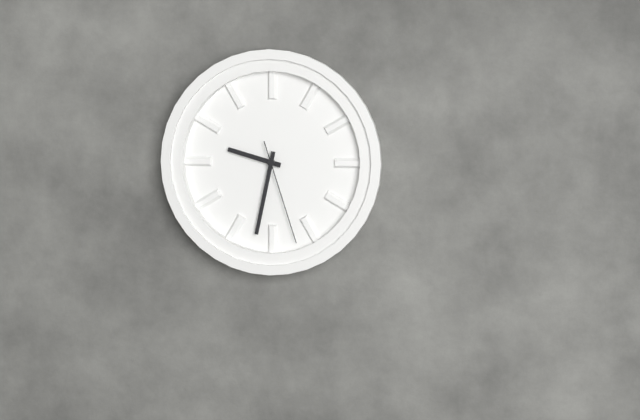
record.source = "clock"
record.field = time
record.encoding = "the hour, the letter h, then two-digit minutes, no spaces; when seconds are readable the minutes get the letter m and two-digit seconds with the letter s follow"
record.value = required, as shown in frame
9h32m27s
